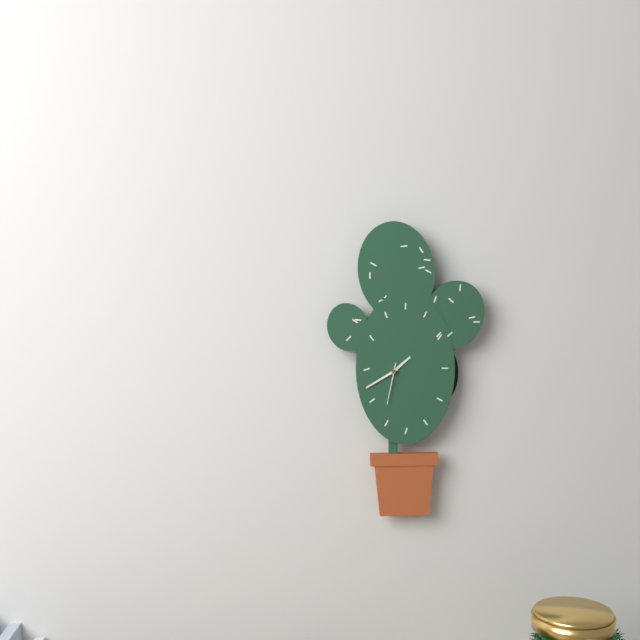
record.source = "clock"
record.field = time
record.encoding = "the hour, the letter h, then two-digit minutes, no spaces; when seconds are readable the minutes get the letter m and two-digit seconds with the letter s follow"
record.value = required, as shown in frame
1h40
